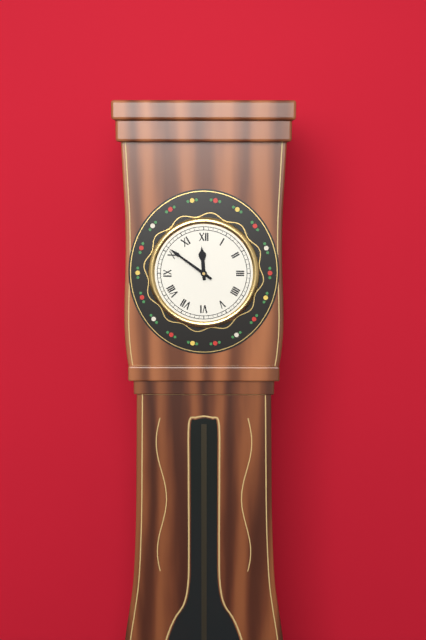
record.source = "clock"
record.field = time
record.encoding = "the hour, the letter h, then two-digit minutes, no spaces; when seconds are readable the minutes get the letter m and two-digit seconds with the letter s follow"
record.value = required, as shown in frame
11h51
